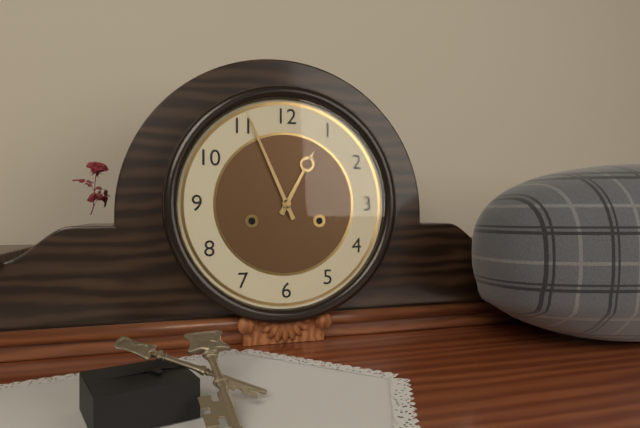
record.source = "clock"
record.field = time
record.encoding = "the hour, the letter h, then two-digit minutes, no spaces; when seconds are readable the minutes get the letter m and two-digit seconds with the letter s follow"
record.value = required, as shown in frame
12h56
